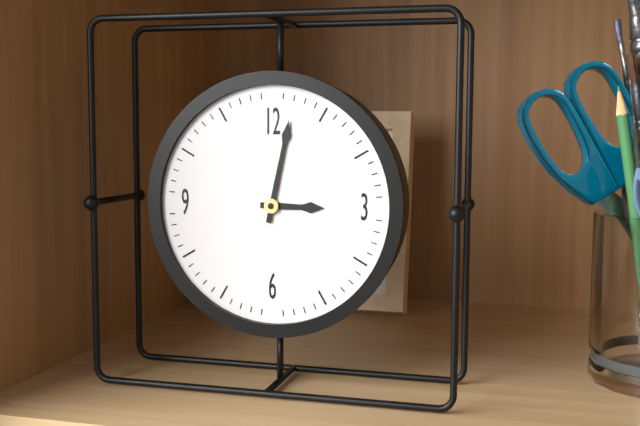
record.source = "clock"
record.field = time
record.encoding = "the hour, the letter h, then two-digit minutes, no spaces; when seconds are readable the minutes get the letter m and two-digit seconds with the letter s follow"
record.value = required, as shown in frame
3h02
